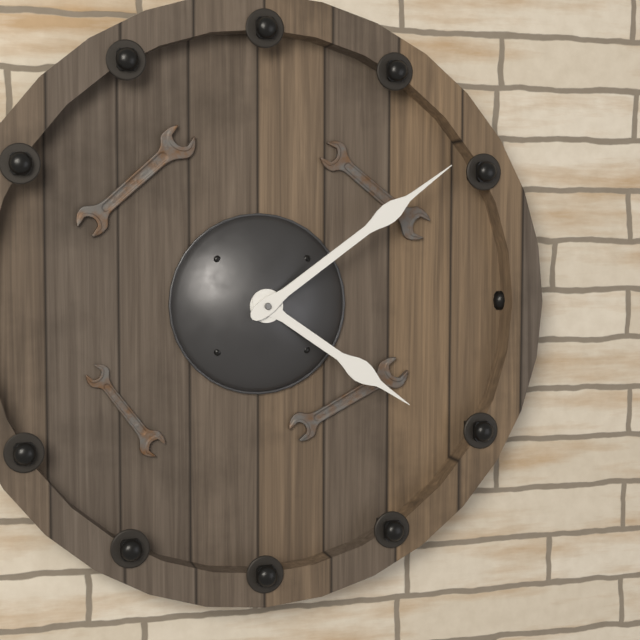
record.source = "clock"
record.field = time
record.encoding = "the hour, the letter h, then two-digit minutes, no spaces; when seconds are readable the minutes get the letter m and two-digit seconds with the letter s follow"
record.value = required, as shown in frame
4h09
